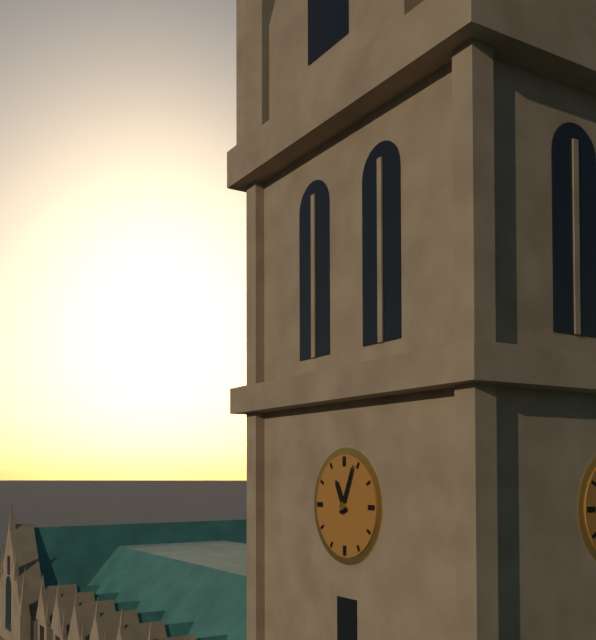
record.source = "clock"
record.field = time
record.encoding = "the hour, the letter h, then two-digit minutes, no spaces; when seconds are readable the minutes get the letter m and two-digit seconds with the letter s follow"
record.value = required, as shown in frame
11h04
